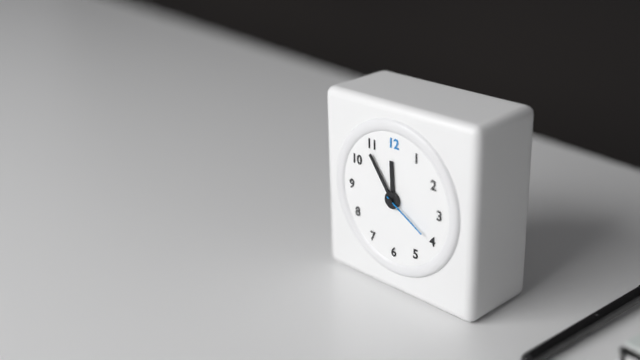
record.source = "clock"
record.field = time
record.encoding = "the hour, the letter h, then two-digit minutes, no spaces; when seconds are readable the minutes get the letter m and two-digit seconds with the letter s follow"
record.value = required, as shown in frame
11h54m20s
